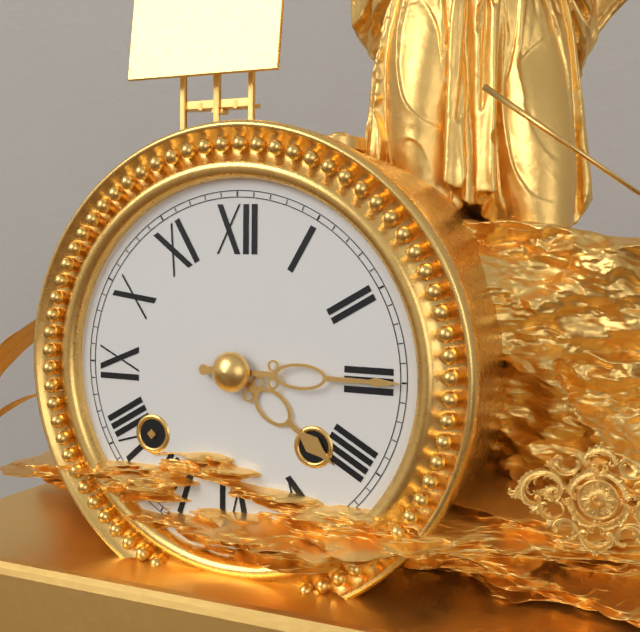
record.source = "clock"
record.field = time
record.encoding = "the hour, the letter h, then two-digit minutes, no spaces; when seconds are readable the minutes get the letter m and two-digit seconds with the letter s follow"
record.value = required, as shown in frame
4h15
